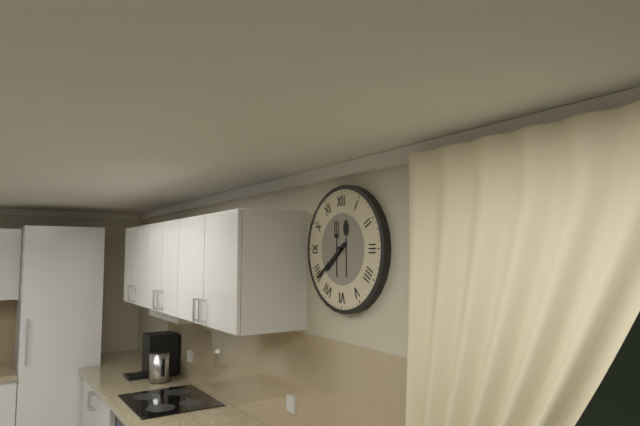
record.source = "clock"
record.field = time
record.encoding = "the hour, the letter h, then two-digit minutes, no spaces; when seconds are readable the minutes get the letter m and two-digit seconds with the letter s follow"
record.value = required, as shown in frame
7h39
